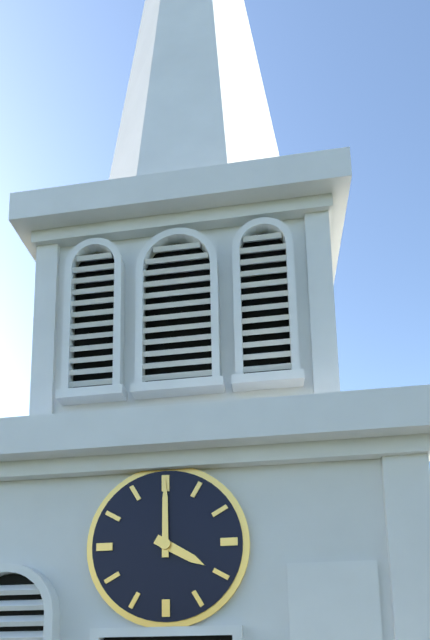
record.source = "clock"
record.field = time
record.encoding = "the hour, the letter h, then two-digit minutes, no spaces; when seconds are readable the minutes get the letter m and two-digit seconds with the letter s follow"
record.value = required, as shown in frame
4h00
